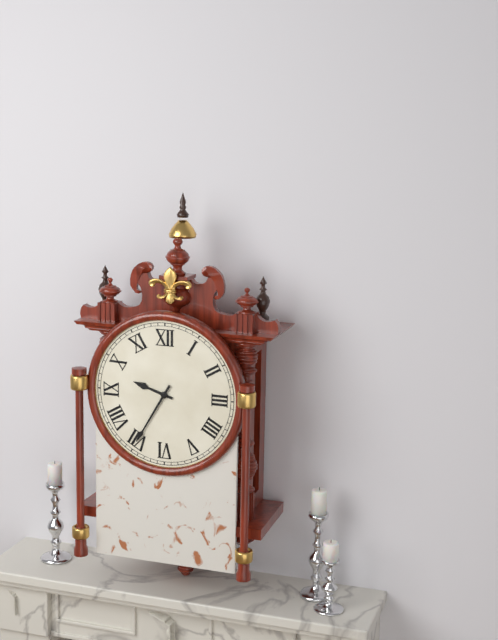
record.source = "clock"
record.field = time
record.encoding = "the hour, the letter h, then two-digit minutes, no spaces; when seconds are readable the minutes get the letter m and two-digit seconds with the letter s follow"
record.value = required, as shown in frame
9h35
